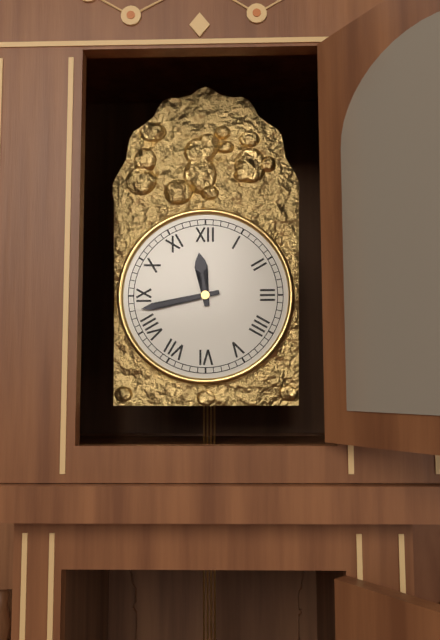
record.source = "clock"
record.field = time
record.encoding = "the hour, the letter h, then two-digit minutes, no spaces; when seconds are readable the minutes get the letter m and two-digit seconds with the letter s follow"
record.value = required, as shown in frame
11h43
